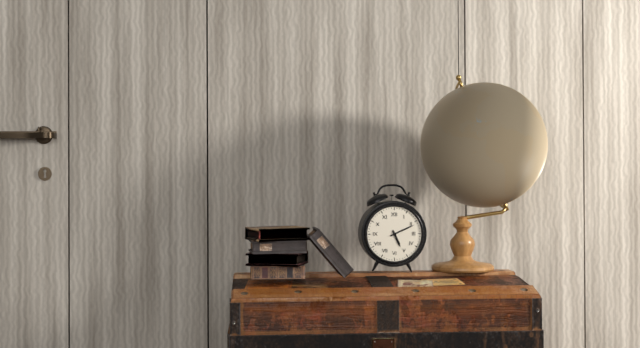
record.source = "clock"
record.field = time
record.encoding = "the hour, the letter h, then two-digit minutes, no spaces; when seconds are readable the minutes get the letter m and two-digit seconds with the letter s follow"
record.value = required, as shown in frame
5h11
